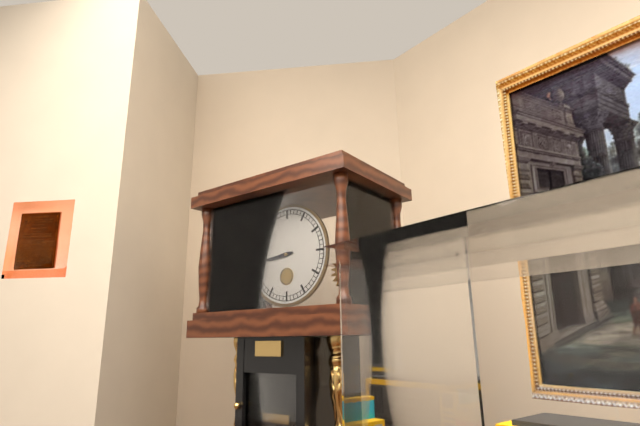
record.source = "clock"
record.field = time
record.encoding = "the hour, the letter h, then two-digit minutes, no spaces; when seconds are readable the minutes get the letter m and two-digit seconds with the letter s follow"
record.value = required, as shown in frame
8h44
